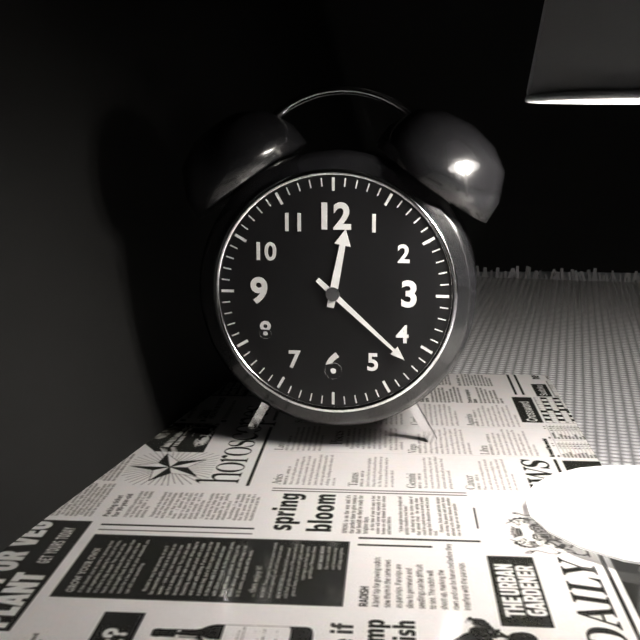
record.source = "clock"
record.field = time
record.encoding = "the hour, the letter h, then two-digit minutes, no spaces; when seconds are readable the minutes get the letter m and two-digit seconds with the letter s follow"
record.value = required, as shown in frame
12h22
